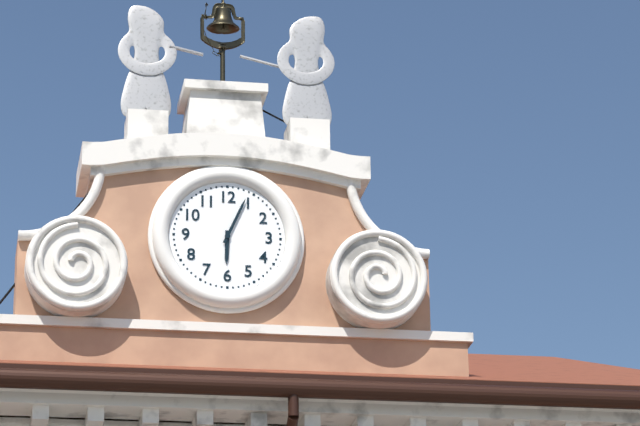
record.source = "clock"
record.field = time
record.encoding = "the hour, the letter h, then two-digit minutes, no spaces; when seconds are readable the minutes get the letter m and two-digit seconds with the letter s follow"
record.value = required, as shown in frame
6h04
